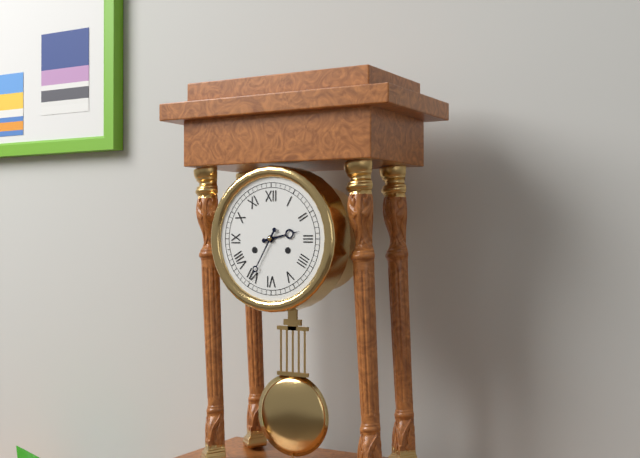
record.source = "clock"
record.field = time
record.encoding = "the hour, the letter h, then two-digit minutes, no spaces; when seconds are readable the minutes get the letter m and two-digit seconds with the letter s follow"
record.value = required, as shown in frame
2h35
